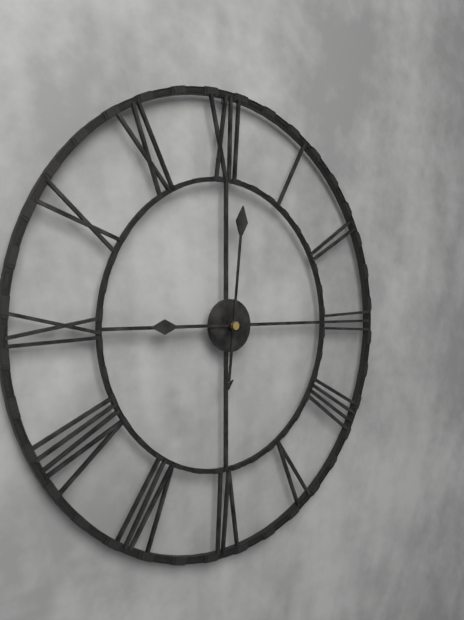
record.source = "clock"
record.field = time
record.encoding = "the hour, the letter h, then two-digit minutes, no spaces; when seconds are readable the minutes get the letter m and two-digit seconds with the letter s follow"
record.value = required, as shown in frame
9h01
